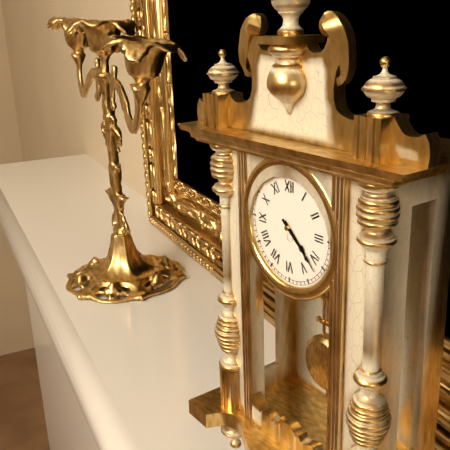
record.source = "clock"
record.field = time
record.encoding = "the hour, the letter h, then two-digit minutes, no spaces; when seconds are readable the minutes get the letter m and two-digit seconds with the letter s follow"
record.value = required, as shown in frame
4h22
